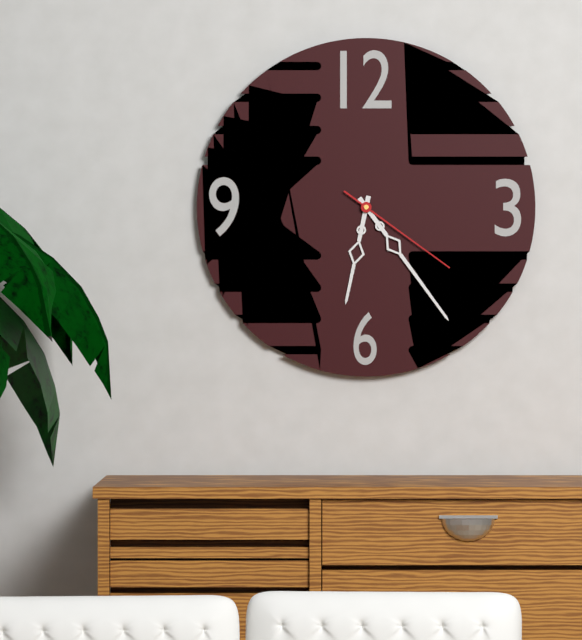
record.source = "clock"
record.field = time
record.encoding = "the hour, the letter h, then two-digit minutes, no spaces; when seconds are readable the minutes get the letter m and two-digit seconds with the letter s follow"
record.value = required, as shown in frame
6h24m21s
